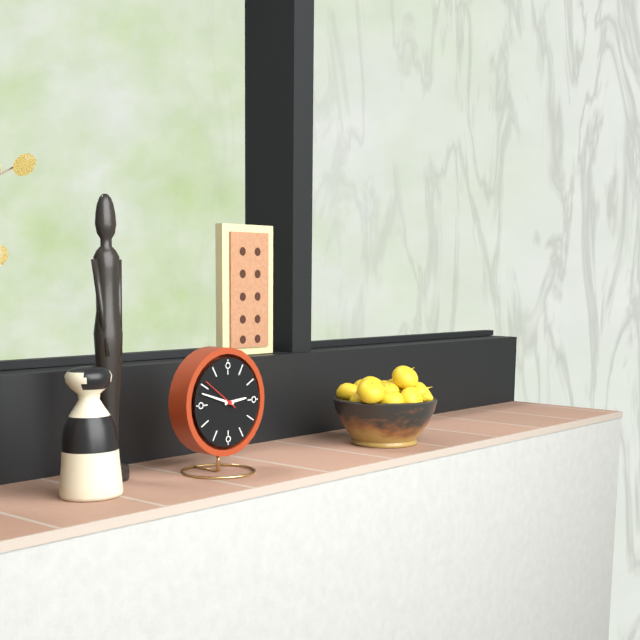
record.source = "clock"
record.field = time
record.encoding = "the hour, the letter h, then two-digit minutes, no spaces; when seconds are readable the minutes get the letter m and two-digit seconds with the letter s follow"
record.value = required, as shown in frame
2h48
